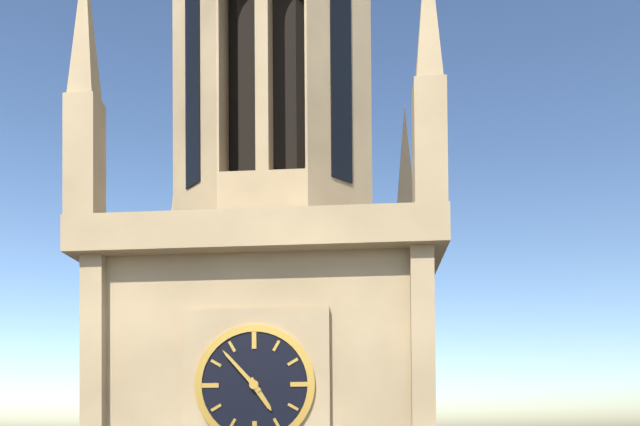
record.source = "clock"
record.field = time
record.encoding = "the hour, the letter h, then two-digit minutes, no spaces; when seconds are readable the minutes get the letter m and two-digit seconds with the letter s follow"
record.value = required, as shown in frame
4h53
